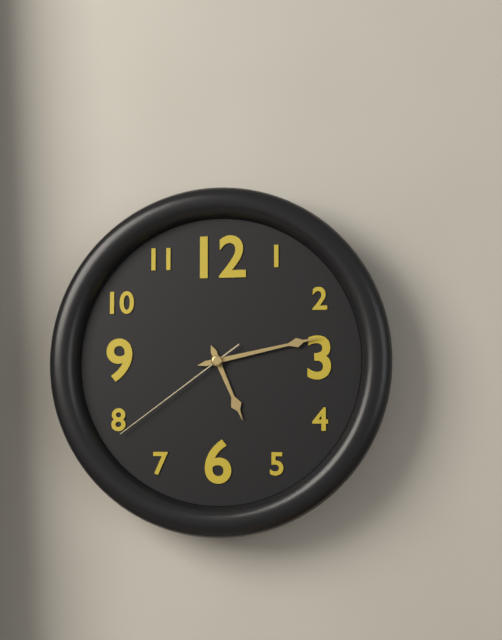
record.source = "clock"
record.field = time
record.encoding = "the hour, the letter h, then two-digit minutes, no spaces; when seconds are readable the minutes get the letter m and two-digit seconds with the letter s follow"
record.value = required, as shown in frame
5h13m39s
